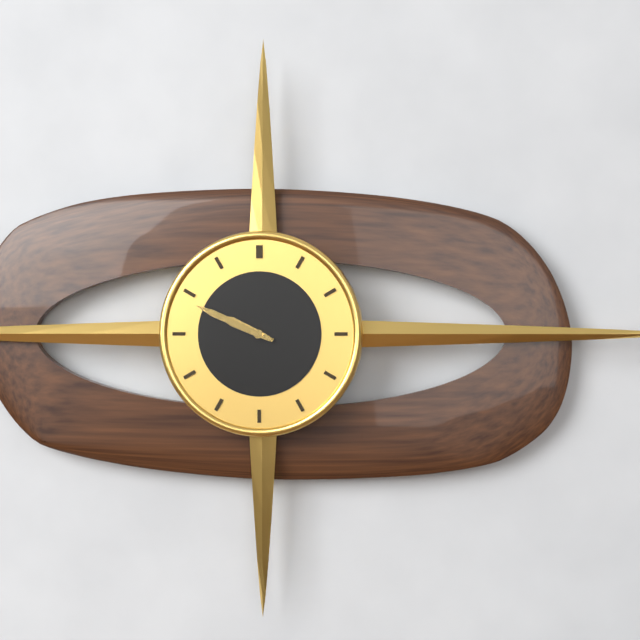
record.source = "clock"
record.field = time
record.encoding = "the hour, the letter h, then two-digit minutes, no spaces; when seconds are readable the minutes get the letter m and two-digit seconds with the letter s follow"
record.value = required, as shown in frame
9h49
